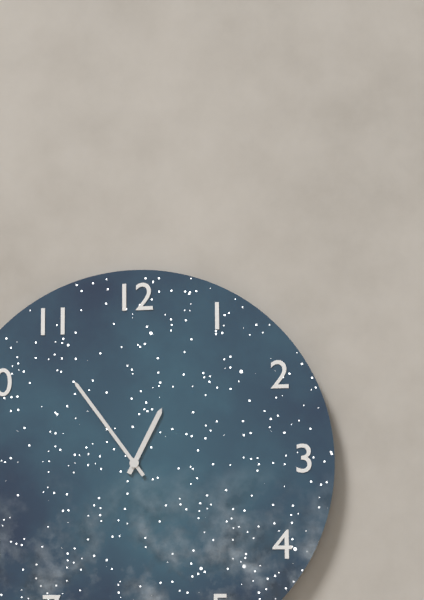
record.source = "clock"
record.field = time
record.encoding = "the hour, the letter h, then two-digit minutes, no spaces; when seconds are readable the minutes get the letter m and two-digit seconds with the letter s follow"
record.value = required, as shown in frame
12h54
